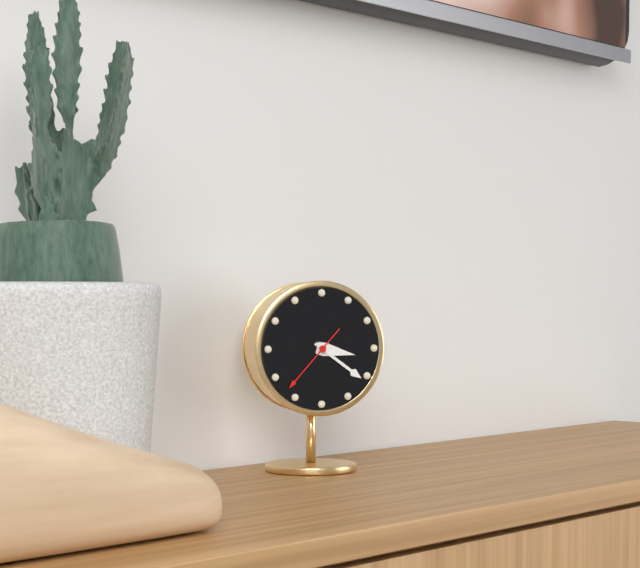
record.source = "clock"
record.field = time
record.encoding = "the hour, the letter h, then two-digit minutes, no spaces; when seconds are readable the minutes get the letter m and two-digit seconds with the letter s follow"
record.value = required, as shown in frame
3h21m37s
